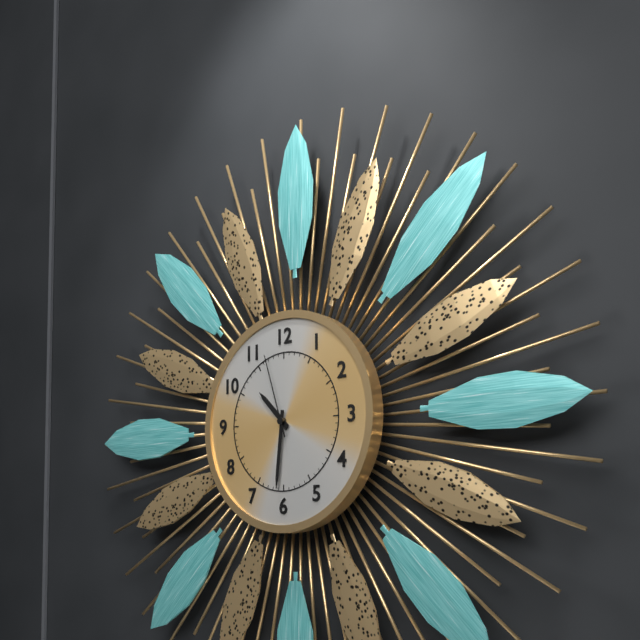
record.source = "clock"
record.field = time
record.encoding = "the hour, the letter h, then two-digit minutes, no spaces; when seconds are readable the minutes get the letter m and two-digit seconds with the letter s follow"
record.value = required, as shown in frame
10h31m57s
